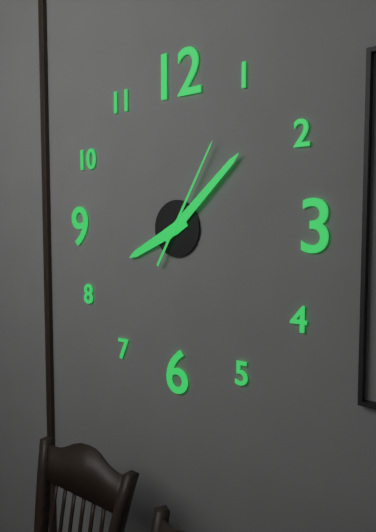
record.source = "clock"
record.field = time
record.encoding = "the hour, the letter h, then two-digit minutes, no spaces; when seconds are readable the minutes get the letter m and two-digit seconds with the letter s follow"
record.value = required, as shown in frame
8h08m05s
